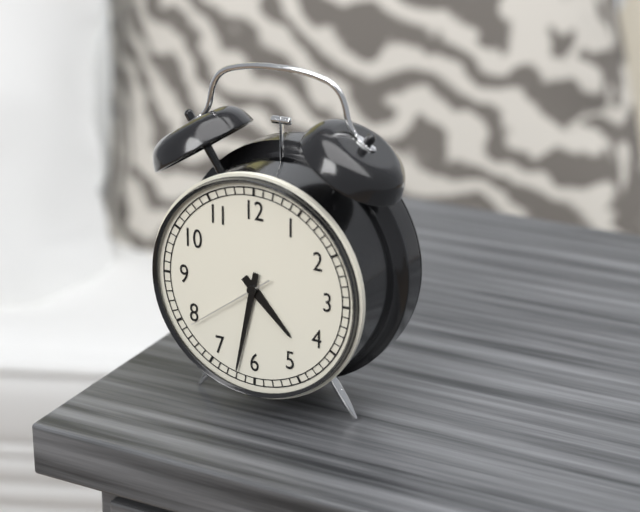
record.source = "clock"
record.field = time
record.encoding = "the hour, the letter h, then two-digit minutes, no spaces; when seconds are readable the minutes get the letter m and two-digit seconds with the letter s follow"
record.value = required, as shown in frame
4h32m39s
